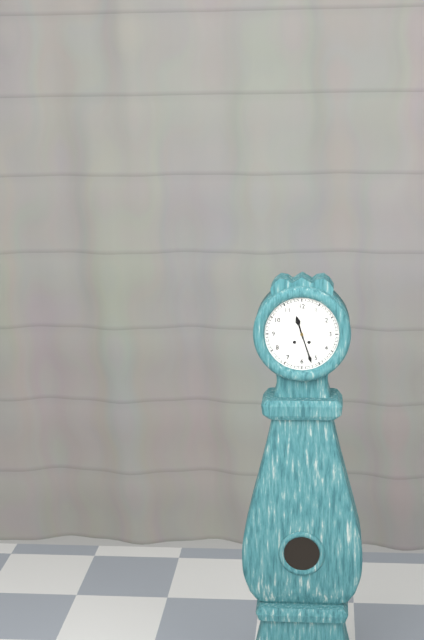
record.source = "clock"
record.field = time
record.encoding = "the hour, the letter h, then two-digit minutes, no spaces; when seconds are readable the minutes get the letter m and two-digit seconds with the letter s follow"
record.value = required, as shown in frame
11h27
